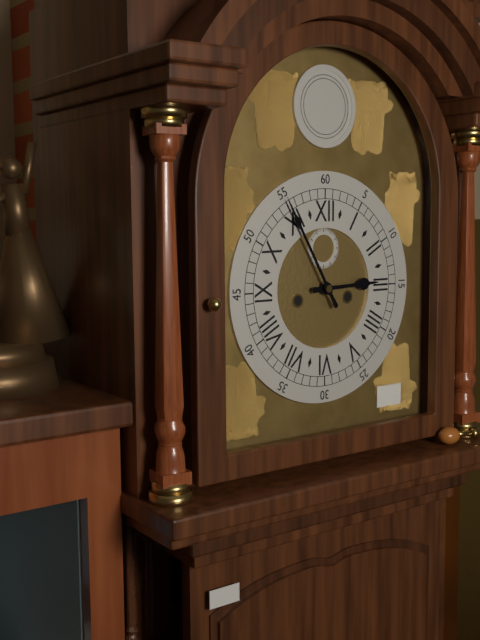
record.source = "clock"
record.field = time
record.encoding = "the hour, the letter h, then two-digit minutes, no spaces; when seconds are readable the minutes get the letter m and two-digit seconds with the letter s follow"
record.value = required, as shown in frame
2h55
